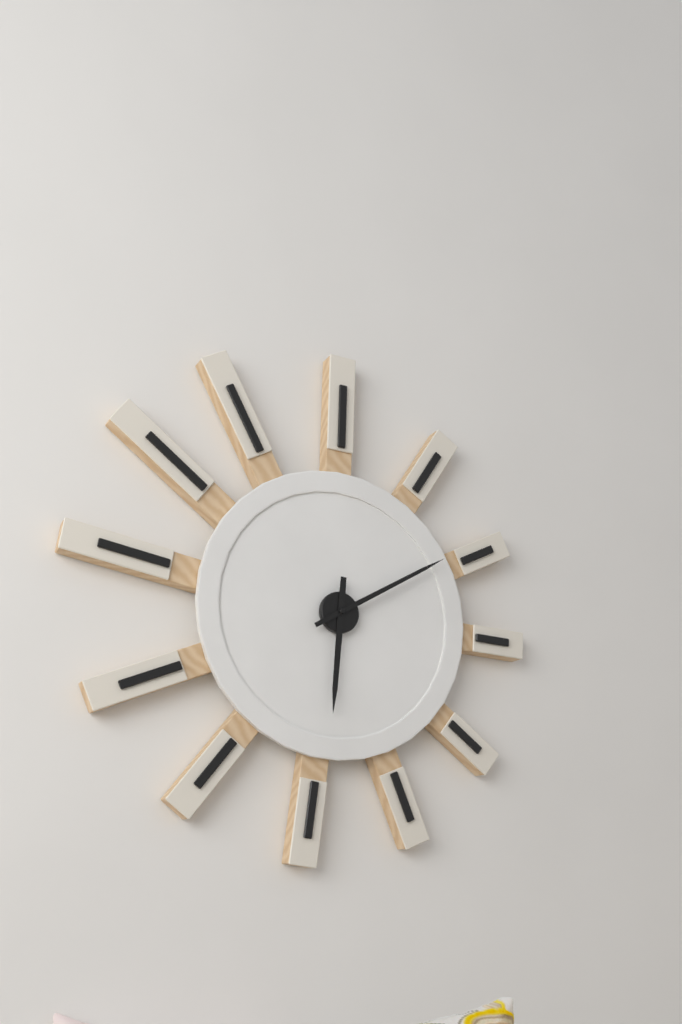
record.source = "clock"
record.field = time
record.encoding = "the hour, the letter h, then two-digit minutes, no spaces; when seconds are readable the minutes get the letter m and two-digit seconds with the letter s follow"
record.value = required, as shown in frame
6h10
